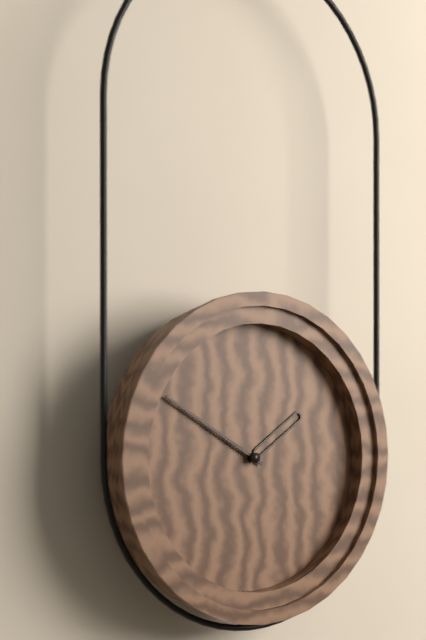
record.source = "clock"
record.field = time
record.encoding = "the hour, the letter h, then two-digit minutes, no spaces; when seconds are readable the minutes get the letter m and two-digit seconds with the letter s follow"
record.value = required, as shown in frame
1h50
